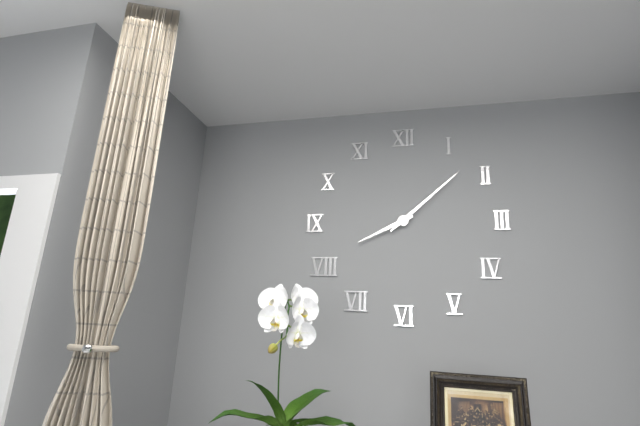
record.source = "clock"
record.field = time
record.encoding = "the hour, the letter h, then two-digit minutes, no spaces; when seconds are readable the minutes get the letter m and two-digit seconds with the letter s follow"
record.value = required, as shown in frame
8h08
